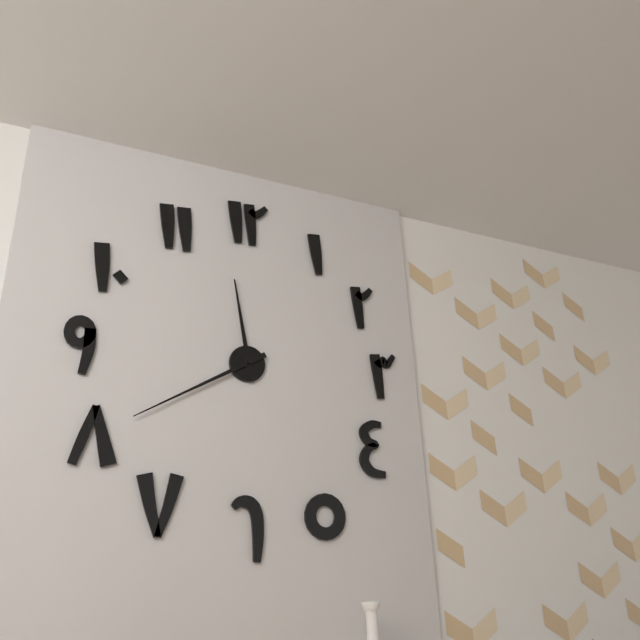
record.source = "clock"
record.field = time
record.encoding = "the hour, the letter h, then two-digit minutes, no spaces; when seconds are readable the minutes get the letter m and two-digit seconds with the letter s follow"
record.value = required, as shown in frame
11h40
